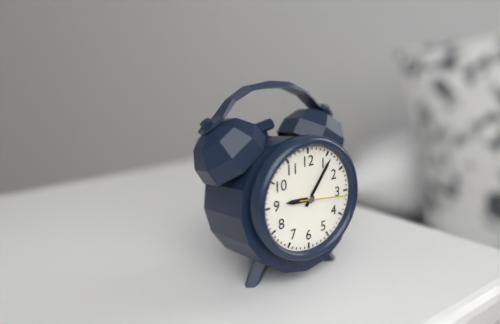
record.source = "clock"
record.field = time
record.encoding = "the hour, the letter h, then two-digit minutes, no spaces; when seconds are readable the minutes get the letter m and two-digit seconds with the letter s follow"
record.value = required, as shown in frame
9h06
